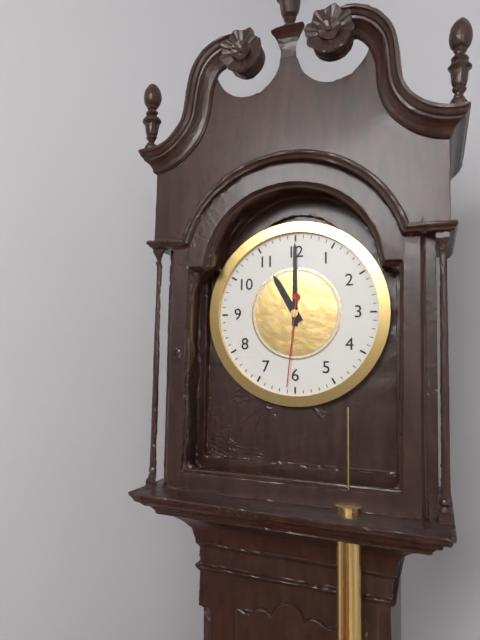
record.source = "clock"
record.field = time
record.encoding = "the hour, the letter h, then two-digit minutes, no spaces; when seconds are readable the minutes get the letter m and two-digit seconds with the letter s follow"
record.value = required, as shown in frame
11h00m31s
